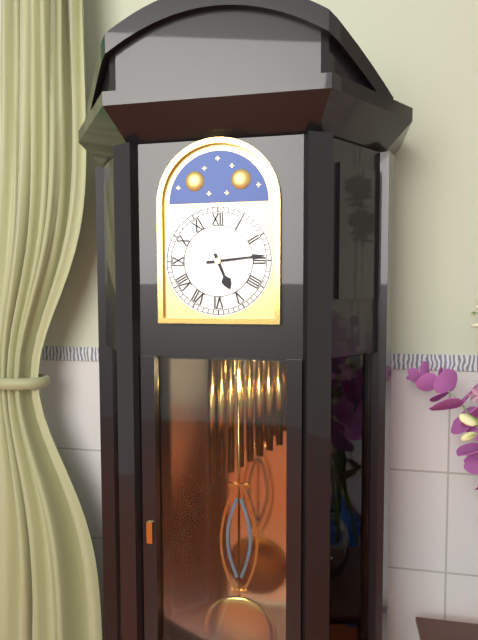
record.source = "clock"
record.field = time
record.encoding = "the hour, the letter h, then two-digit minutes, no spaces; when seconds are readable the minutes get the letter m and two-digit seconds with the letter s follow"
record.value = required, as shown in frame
5h14
